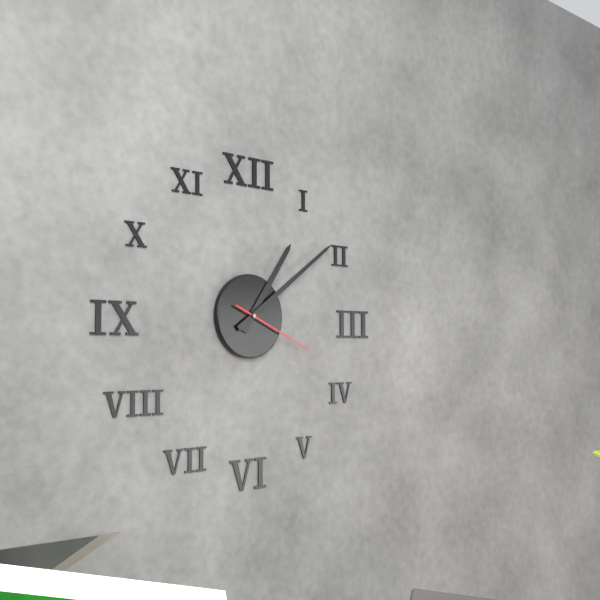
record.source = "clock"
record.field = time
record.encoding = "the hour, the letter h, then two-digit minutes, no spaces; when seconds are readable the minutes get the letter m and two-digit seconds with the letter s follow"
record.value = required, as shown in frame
1h09m19s
